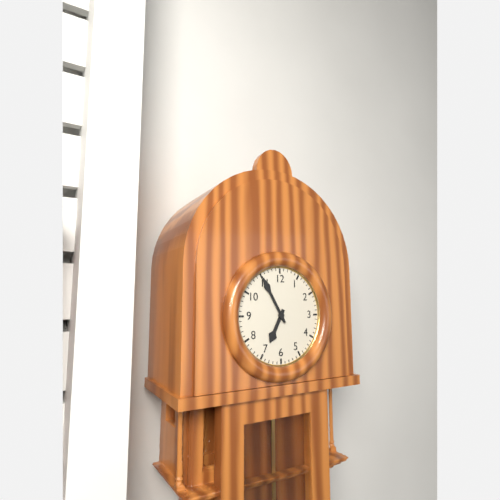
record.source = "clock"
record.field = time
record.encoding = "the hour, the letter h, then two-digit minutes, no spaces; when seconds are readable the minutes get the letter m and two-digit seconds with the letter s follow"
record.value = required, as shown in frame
6h55
